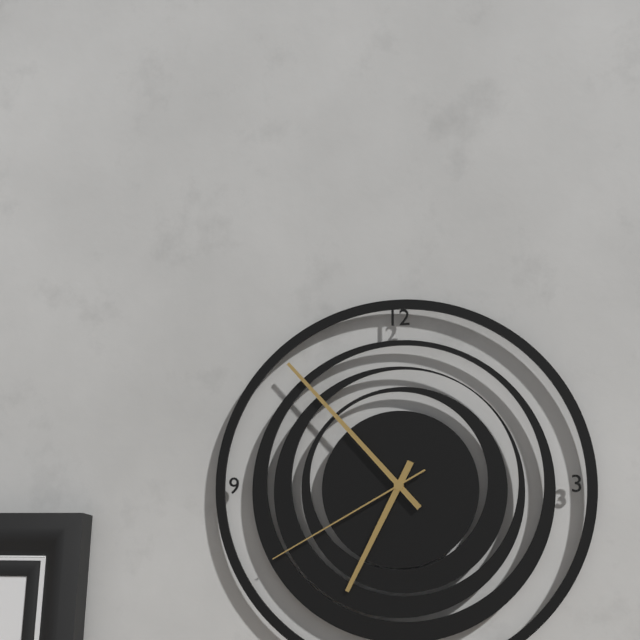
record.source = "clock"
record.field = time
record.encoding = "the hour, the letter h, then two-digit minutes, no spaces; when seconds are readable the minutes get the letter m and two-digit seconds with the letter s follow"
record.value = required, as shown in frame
6h53m40s
